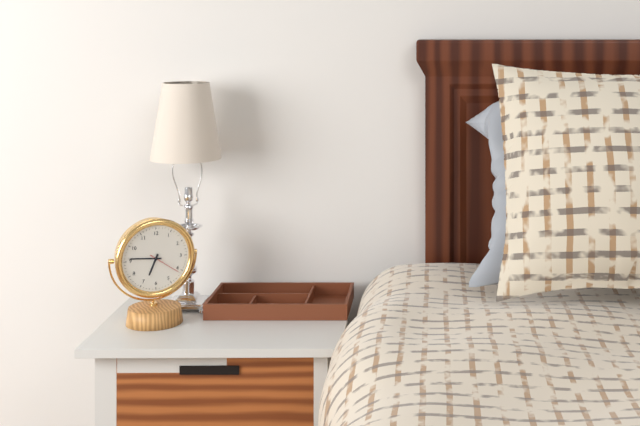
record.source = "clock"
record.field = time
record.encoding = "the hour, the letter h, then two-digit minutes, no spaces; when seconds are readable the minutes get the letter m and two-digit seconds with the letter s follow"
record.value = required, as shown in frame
6h46
